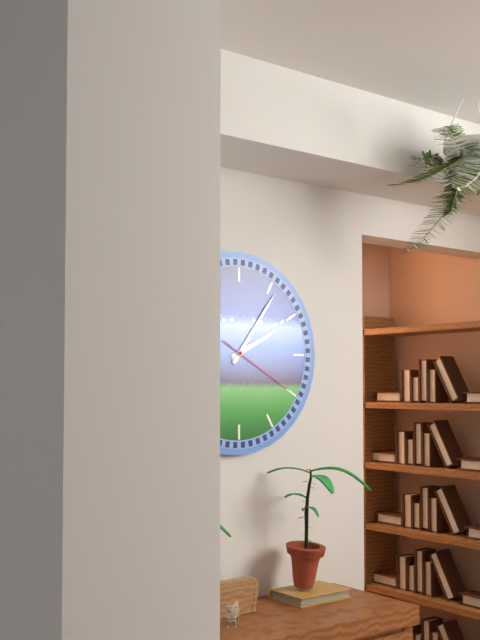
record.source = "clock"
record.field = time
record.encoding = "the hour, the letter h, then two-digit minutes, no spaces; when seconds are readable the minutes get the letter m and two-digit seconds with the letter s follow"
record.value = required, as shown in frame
2h06m20s
